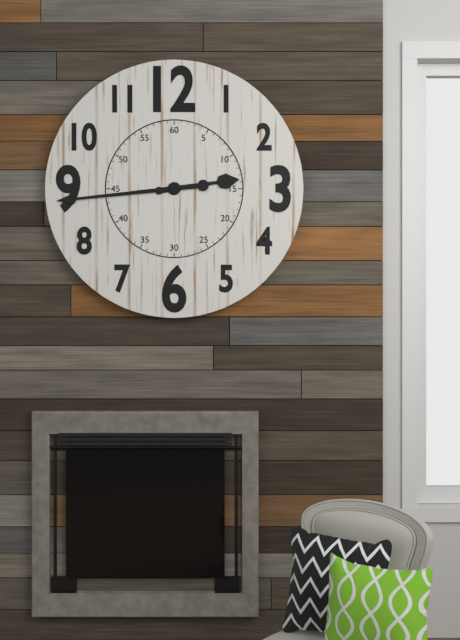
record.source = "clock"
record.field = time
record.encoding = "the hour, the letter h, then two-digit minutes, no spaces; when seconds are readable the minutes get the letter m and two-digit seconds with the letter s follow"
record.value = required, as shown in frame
2h44
